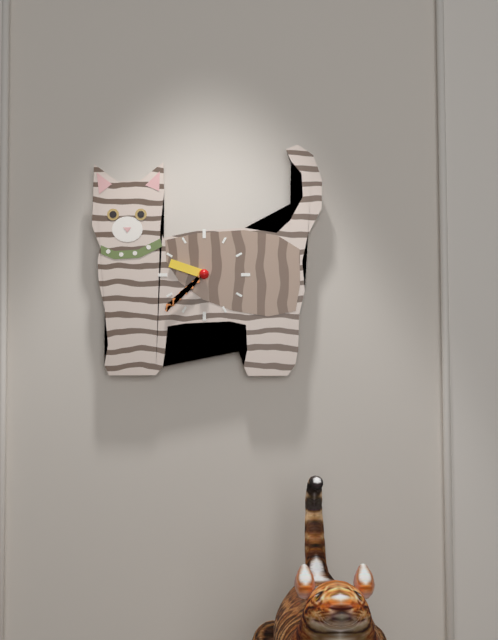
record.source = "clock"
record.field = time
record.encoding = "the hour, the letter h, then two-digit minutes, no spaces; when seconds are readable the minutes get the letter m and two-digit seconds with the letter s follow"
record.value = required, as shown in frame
9h38
